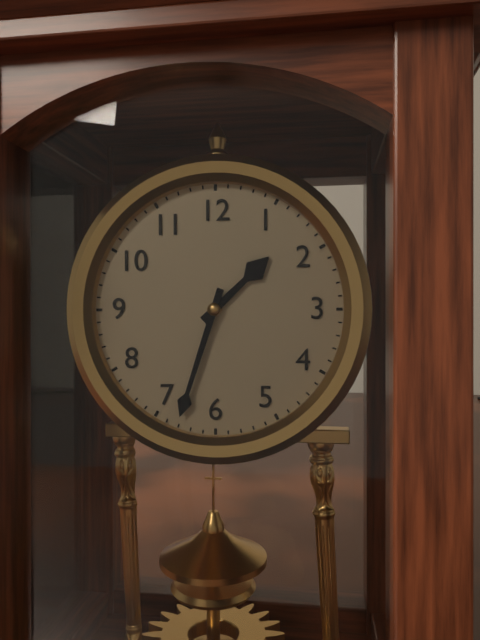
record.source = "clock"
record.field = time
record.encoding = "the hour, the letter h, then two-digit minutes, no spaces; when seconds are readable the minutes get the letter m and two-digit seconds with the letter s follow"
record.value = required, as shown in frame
1h33
